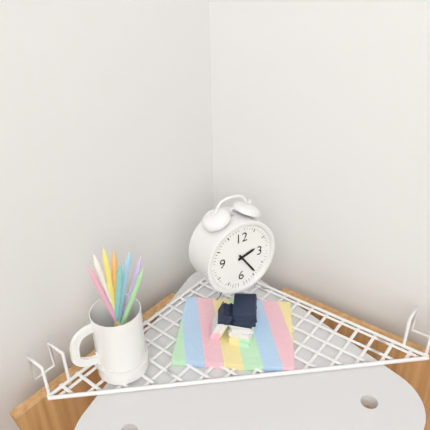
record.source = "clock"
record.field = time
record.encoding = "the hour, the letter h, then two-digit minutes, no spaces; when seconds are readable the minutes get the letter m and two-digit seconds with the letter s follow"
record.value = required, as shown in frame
2h24
